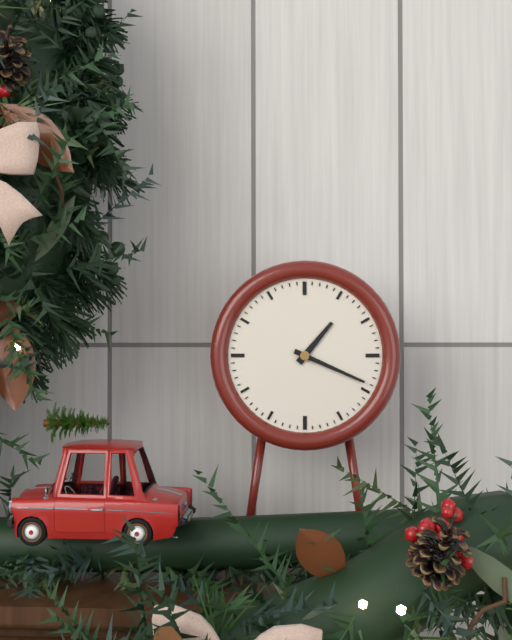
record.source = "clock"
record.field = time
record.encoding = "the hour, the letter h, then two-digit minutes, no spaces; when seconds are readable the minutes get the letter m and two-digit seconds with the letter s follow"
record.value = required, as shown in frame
1h19
